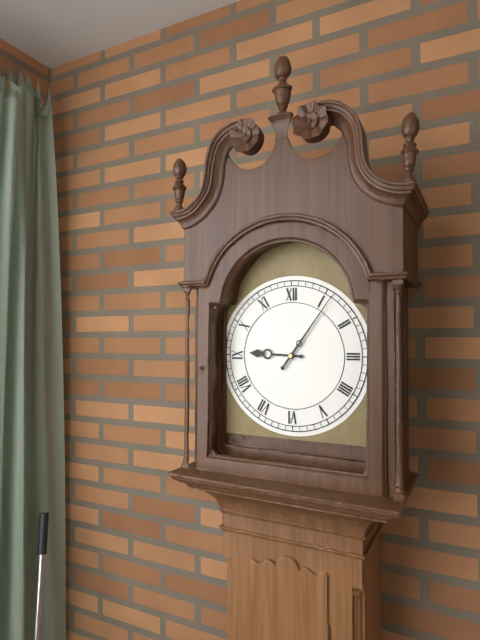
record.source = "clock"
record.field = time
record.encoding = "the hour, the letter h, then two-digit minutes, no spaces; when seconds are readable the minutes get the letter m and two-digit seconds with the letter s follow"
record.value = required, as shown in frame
9h06
